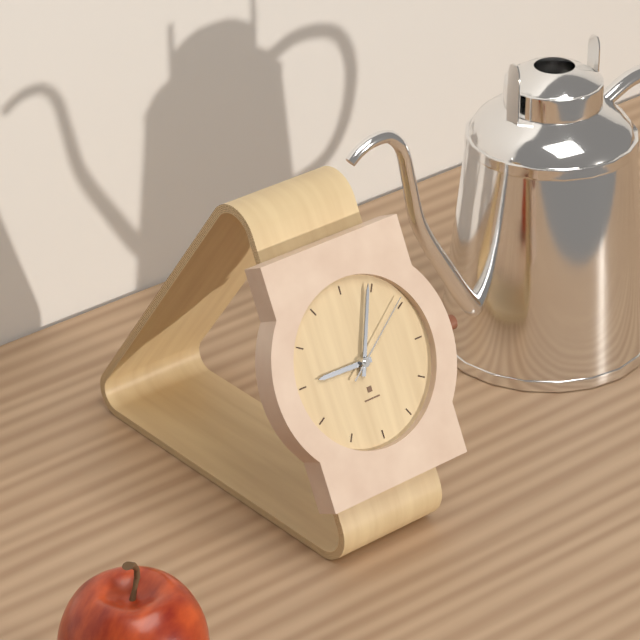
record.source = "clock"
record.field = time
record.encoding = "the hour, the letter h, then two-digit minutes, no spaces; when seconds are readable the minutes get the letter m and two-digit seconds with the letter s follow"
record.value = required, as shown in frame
9h04m09s
